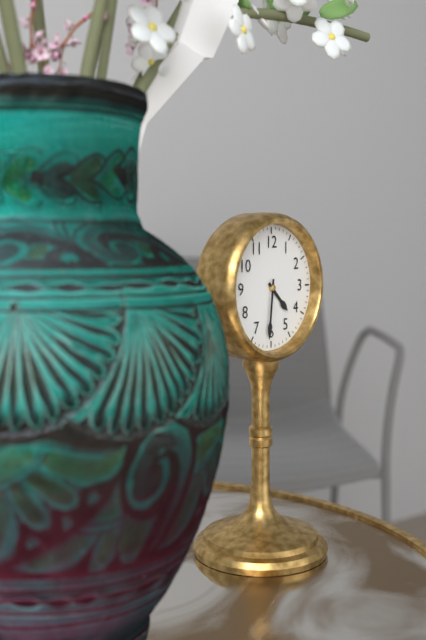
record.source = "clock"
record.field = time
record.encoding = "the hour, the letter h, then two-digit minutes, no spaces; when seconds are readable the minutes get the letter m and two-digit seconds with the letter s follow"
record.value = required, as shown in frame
4h31
